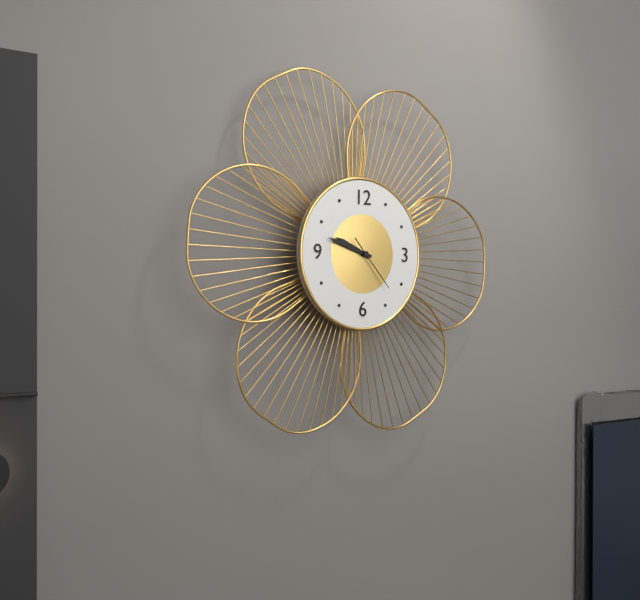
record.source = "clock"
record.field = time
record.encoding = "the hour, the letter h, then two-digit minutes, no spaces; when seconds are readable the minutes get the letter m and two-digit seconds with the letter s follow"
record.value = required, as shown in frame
9h48m23s
